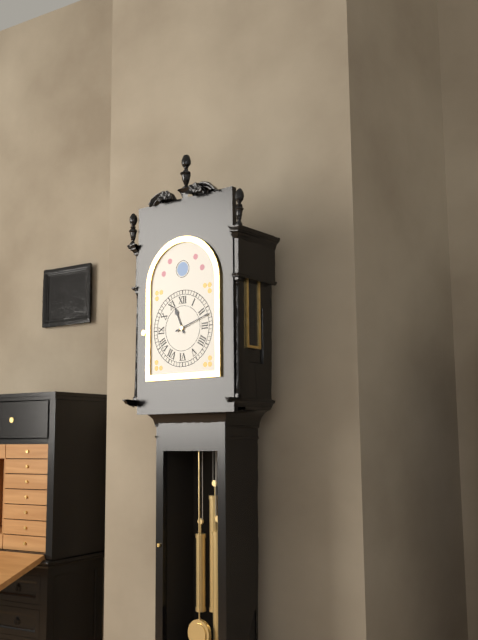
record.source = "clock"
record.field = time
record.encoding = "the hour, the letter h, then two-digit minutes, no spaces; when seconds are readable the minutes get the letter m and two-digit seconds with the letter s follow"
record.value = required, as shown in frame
11h12
